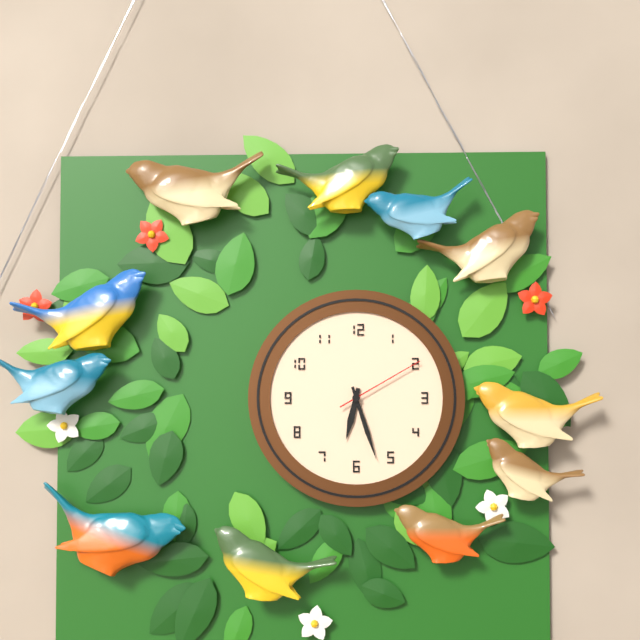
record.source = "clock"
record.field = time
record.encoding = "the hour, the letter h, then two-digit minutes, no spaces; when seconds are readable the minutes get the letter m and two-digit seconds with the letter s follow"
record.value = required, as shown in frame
6h27m10s
